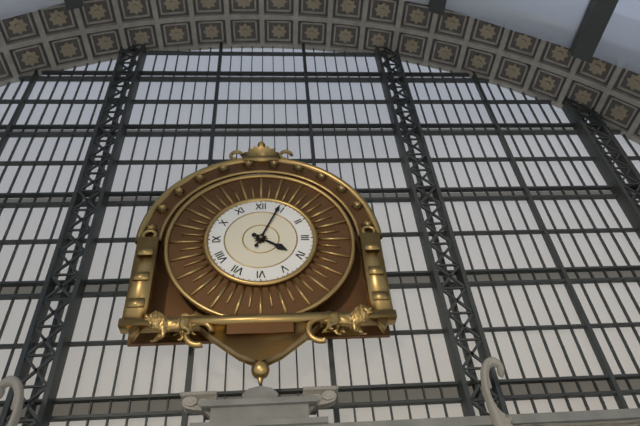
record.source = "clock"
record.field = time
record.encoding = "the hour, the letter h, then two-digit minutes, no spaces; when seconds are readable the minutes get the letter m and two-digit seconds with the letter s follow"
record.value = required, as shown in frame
4h04
